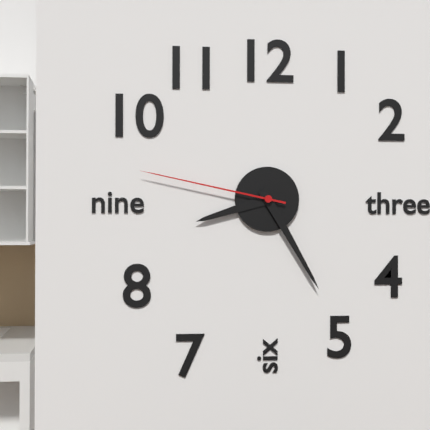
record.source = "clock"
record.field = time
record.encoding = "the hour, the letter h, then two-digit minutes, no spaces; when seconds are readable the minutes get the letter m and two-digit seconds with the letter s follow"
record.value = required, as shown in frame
8h25m47s
